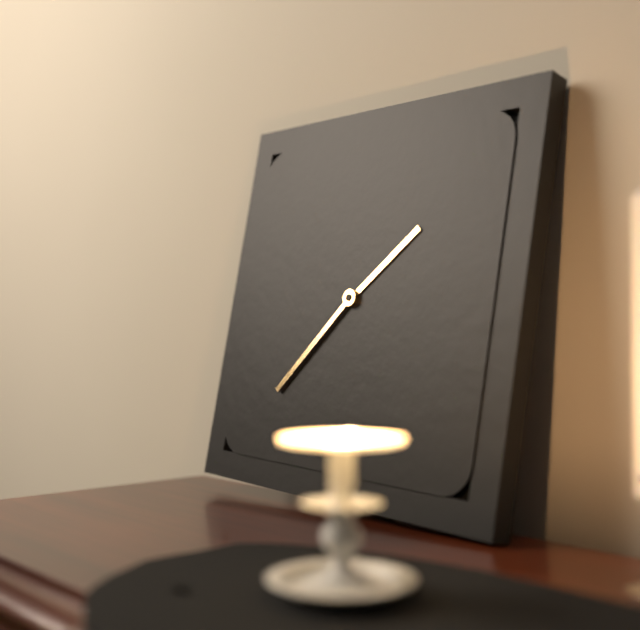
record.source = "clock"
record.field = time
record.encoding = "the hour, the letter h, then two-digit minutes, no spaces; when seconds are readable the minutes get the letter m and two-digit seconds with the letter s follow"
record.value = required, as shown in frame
1h37
